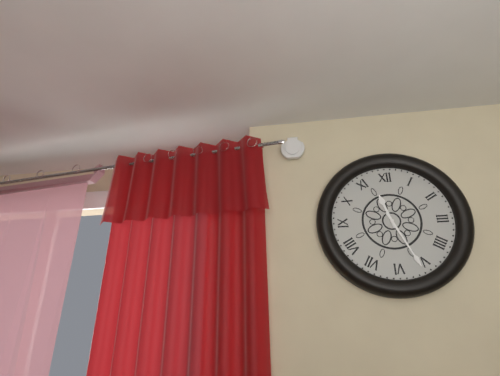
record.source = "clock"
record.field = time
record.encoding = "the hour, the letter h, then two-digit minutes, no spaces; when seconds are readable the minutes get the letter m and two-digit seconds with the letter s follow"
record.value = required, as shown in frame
11h26
